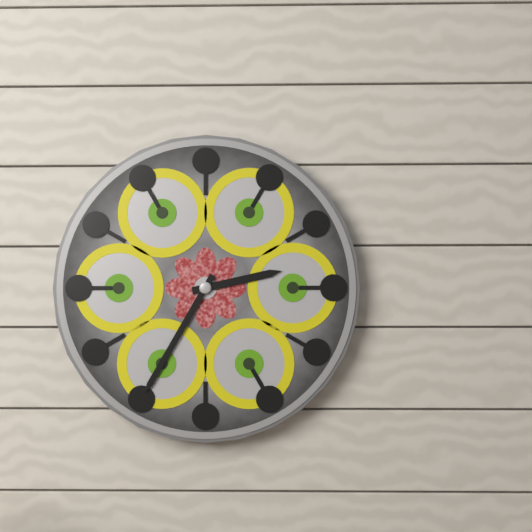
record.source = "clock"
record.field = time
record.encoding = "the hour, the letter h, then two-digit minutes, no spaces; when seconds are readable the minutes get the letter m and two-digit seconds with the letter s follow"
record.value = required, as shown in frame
2h35
